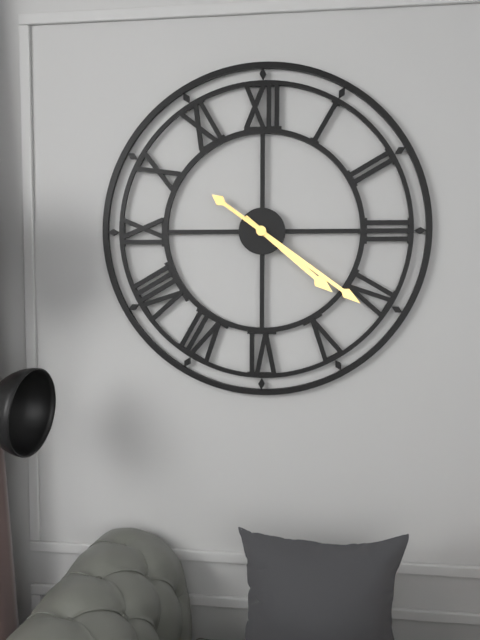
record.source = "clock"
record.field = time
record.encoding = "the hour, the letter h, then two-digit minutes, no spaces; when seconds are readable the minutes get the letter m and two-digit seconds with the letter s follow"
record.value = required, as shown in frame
4h21
